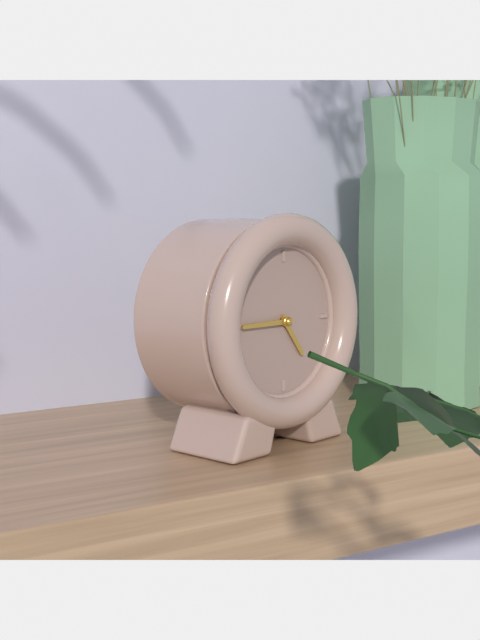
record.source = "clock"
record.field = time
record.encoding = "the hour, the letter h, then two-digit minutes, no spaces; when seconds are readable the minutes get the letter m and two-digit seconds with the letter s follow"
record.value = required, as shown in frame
4h45
